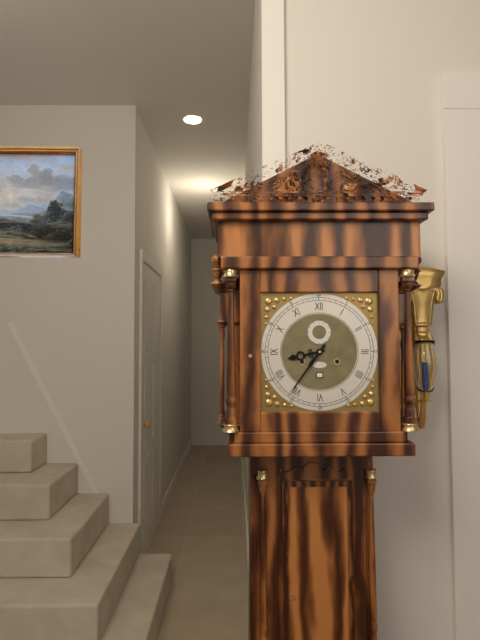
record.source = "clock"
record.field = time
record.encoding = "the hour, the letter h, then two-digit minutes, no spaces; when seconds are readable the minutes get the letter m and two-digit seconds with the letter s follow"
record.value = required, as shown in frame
8h36
